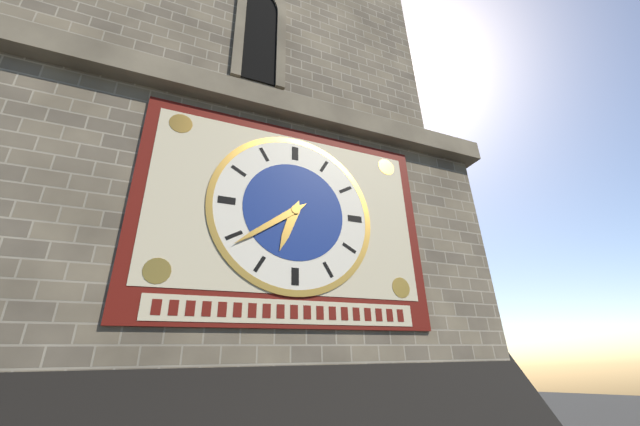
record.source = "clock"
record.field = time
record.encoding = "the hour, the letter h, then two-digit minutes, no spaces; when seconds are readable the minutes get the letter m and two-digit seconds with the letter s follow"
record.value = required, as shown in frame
6h39
